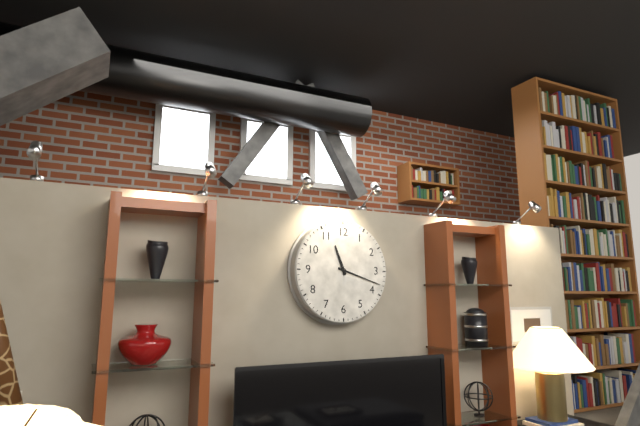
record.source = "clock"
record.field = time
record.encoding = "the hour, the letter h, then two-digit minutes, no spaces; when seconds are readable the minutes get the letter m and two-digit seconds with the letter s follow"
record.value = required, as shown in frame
11h18
